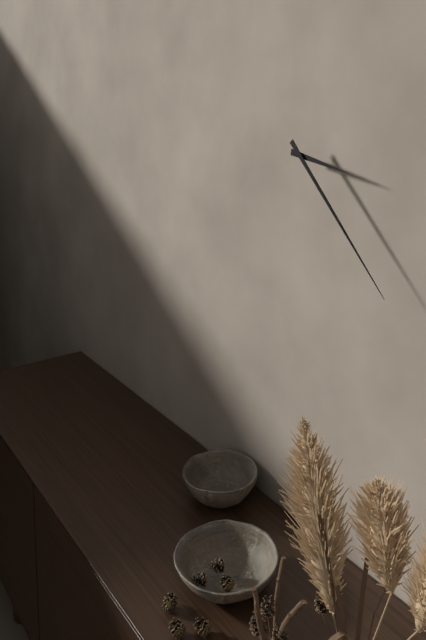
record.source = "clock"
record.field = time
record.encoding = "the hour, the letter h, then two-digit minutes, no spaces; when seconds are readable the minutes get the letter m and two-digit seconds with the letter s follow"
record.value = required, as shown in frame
3h23
